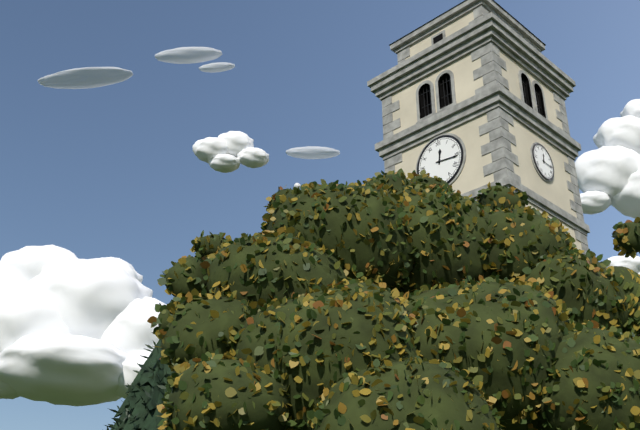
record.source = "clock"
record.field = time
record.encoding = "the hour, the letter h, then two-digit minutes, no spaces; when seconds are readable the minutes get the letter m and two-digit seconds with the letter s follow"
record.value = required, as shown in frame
12h16
